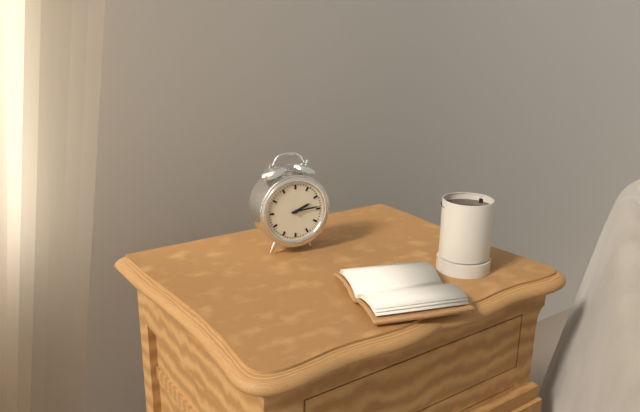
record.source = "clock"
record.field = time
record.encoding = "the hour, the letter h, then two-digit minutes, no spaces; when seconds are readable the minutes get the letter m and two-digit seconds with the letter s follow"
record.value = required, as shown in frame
2h14
